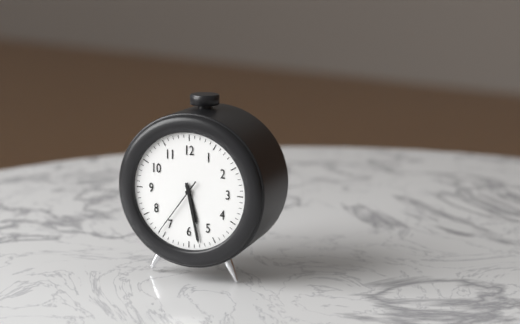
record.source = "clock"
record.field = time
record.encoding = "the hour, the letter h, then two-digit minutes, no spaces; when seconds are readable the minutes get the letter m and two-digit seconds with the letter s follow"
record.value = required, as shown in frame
5h28m36s
